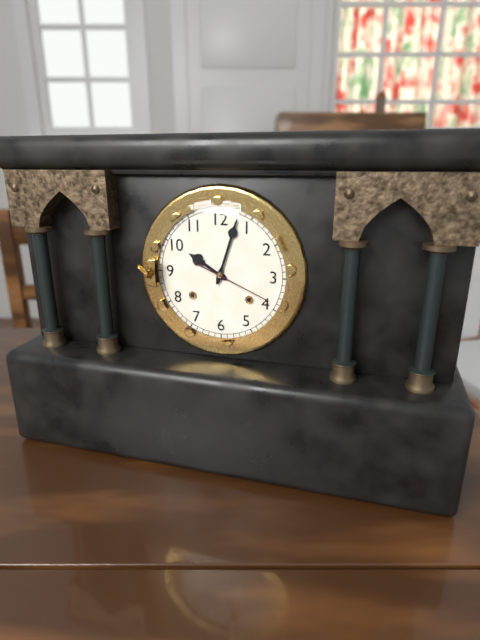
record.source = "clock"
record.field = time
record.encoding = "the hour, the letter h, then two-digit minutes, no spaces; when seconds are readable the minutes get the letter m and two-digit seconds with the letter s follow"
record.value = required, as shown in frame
10h03m19s
